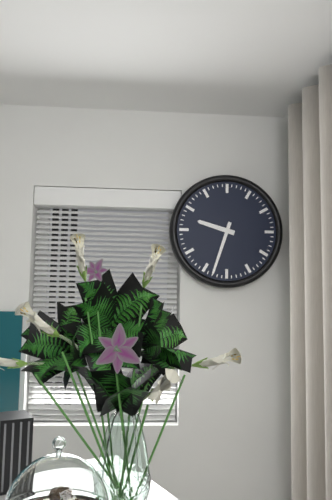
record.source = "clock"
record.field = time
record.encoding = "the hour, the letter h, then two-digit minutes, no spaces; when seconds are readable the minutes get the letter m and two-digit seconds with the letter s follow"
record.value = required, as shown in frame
9h33
